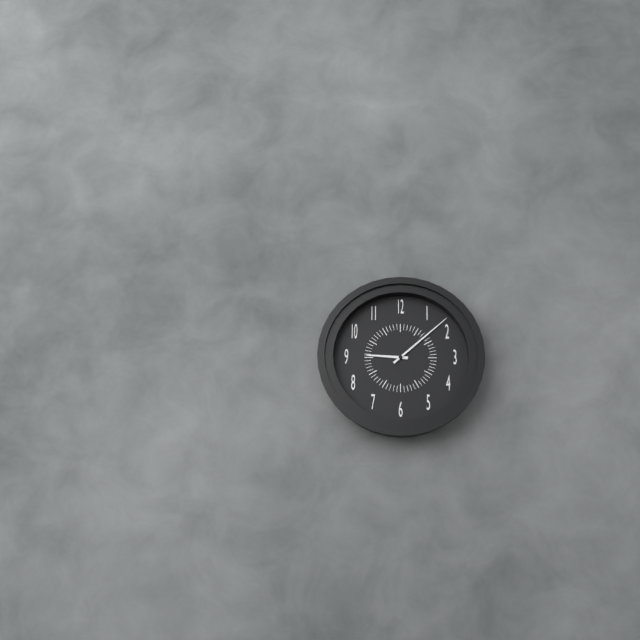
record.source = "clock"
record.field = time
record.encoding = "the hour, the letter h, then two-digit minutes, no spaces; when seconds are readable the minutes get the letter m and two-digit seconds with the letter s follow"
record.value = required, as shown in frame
9h08
